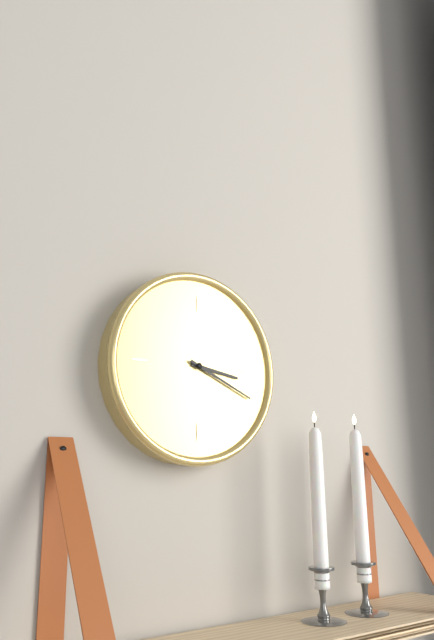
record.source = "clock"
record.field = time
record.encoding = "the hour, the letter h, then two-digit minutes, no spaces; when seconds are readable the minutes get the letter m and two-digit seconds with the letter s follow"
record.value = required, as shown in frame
3h19
